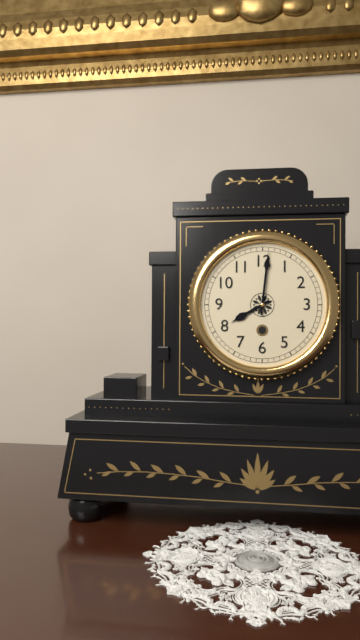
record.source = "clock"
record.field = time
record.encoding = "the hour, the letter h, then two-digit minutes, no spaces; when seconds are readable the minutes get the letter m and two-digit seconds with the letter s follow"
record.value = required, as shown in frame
8h01
